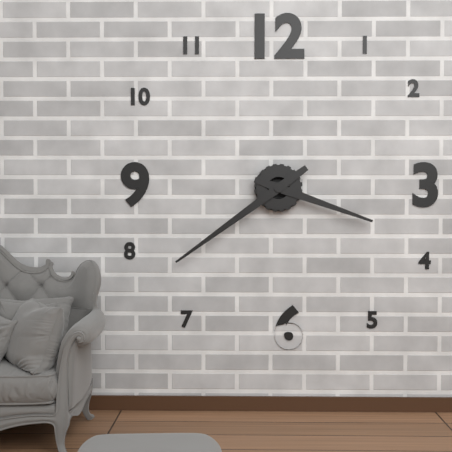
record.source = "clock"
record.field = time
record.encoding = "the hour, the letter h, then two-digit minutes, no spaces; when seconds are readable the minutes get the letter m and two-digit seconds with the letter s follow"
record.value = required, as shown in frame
3h39
